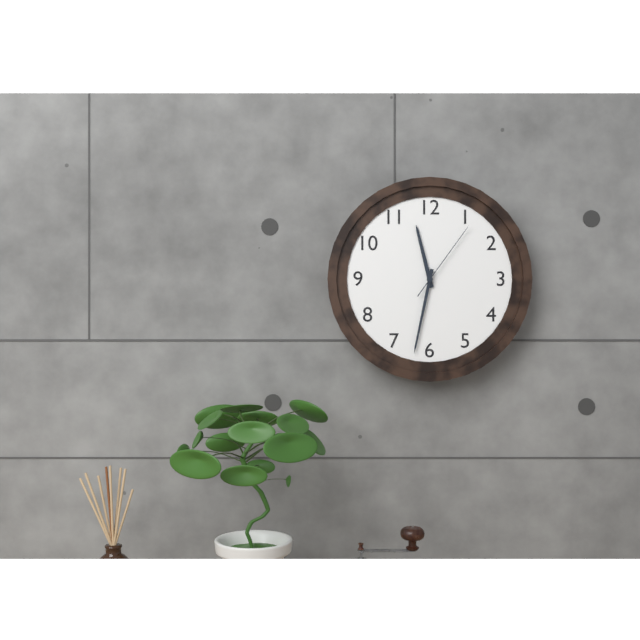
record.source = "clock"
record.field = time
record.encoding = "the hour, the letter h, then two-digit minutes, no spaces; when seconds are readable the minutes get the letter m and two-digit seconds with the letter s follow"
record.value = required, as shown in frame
11h32m06s
